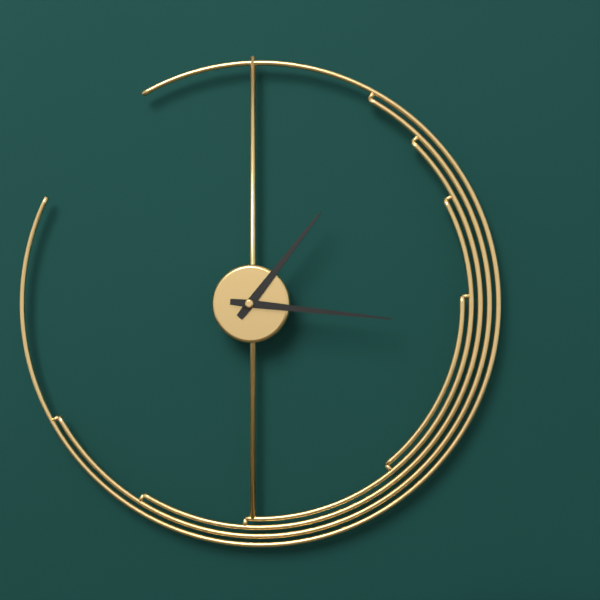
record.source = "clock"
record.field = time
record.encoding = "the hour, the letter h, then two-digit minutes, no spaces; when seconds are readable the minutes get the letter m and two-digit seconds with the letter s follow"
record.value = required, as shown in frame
1h16
